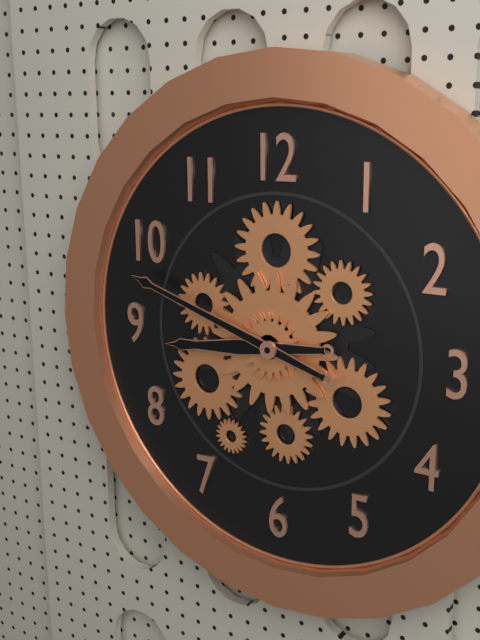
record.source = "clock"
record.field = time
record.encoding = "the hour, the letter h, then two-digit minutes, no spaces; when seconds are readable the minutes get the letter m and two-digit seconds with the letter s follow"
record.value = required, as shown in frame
8h48
